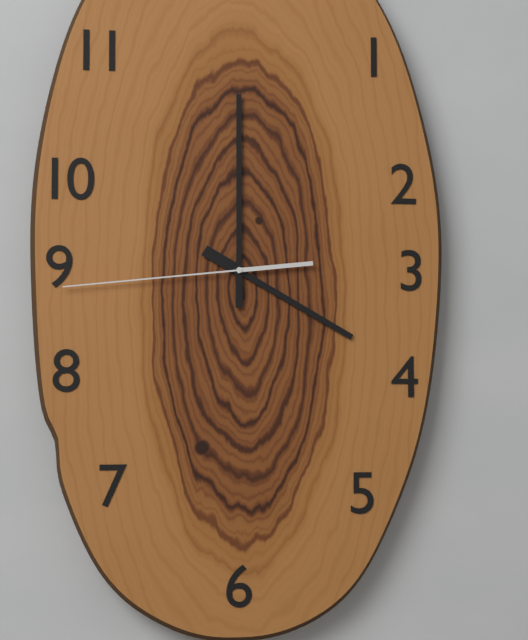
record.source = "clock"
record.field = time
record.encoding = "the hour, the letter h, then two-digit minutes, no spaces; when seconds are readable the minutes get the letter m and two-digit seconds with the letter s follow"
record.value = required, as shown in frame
4h00m44s
